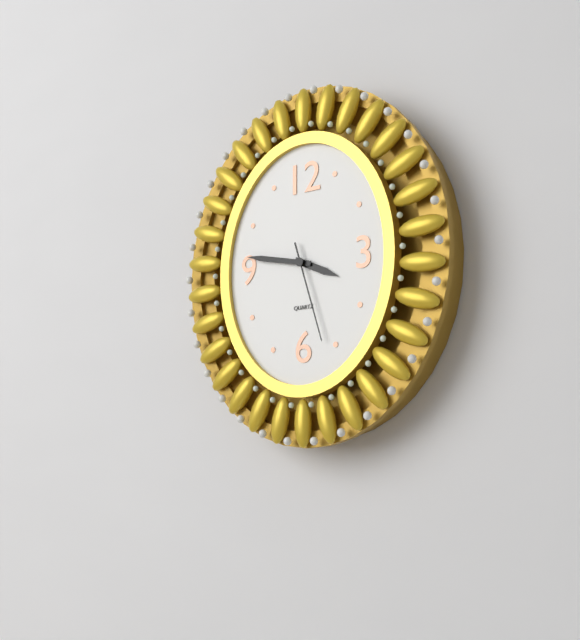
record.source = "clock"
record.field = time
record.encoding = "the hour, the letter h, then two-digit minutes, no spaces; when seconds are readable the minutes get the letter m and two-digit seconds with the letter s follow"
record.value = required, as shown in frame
3h47m27s
